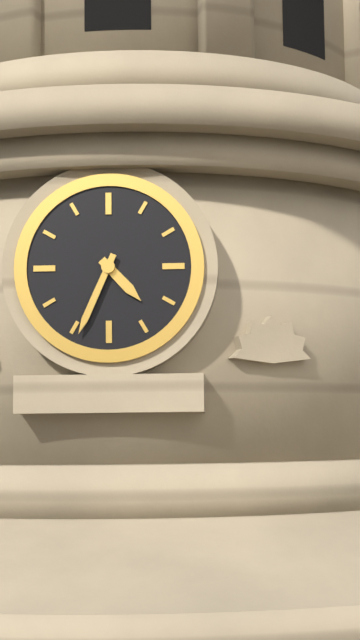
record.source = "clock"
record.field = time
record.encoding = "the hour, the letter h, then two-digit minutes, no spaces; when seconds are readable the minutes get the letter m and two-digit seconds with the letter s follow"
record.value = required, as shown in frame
4h34
